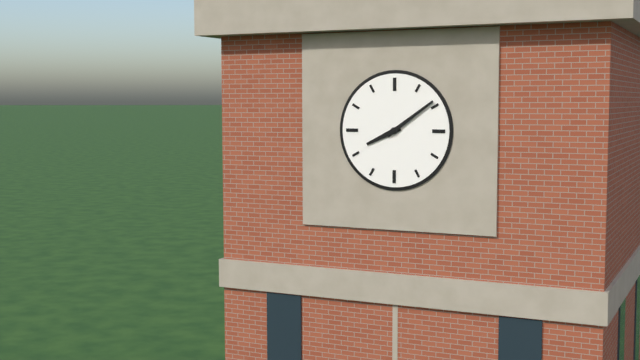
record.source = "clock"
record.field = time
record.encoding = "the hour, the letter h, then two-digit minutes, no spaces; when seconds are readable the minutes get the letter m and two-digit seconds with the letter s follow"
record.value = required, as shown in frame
8h09
